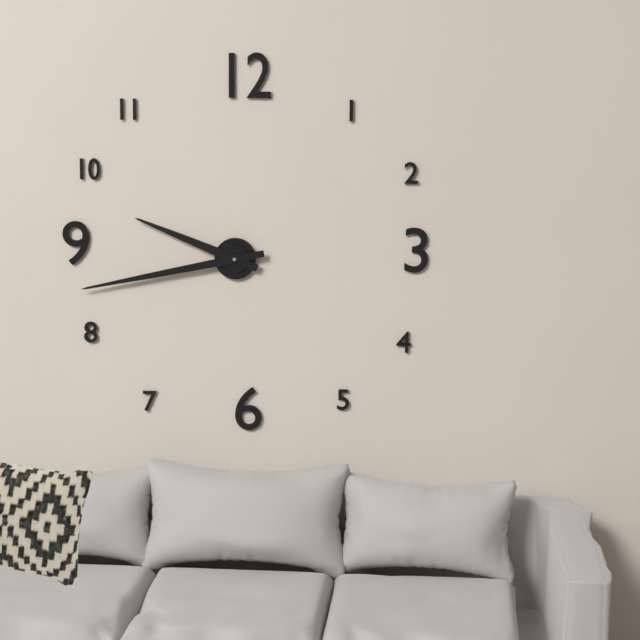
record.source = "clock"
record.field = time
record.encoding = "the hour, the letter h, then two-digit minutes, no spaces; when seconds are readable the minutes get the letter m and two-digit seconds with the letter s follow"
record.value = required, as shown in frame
9h43
